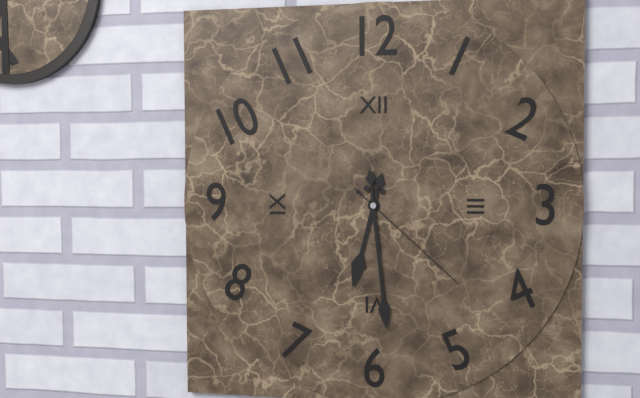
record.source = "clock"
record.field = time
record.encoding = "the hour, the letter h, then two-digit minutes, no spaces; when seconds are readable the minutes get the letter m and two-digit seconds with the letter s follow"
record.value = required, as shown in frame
6h29m22s
